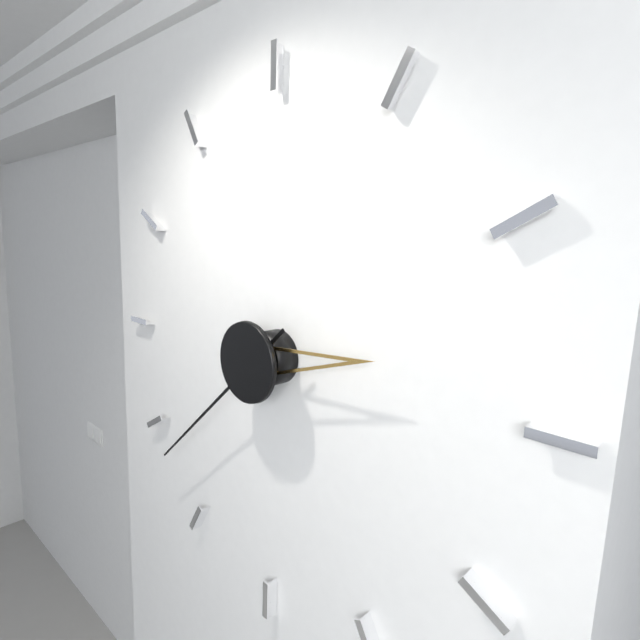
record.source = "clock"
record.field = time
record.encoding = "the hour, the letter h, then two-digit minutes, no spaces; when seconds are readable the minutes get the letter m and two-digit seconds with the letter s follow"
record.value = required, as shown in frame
2h38
